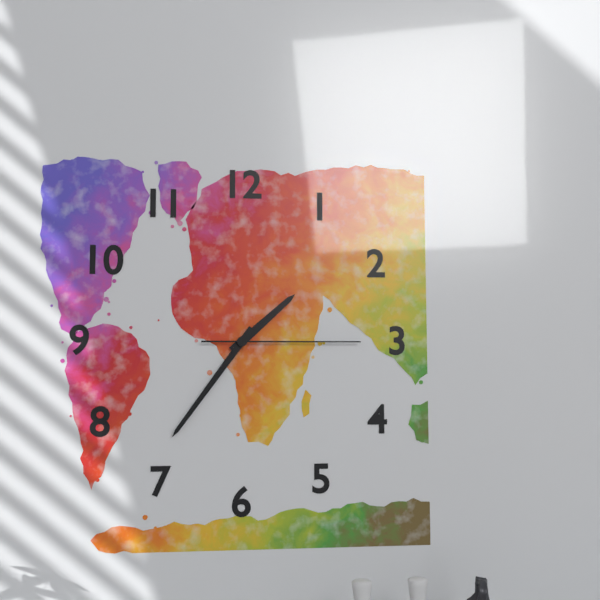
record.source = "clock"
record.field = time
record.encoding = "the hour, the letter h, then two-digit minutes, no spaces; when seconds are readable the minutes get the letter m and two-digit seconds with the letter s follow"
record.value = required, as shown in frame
1h36m15s
